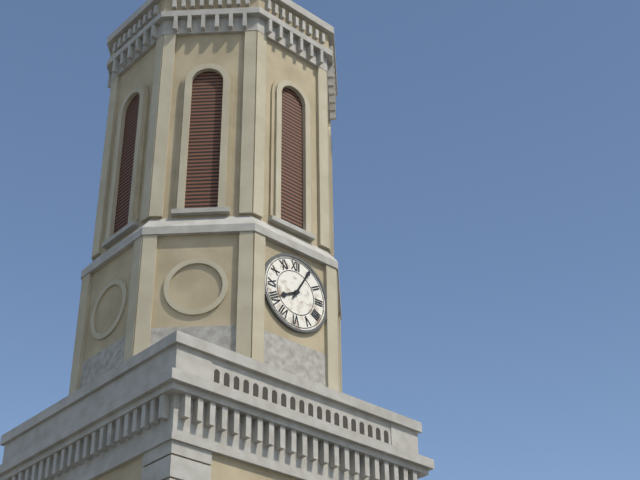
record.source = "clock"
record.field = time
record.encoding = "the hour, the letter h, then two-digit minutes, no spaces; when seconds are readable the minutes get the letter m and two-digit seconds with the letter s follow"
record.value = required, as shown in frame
8h05
